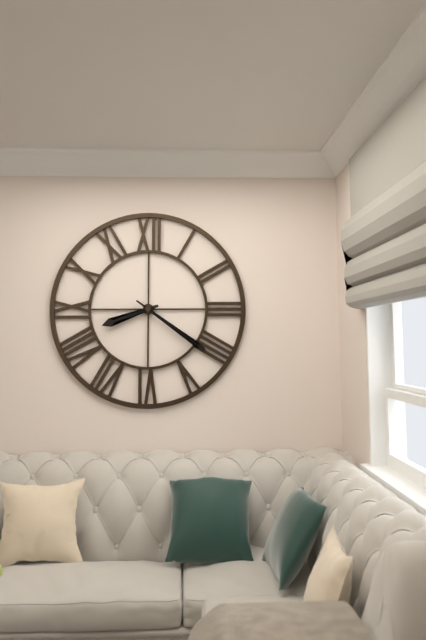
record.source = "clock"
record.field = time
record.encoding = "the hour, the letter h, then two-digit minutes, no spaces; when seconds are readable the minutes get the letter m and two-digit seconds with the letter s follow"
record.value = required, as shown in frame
8h21
